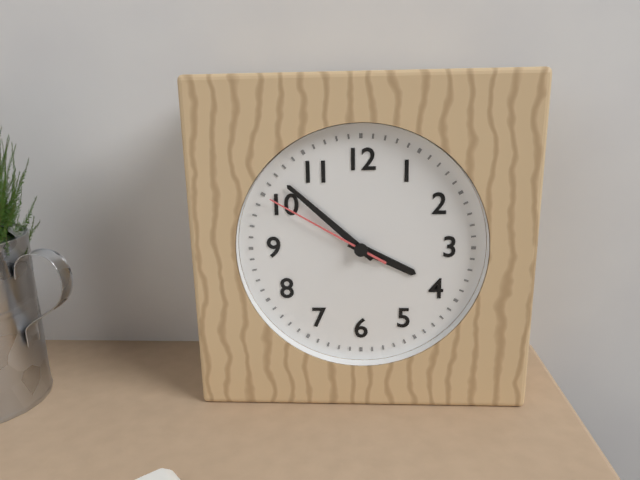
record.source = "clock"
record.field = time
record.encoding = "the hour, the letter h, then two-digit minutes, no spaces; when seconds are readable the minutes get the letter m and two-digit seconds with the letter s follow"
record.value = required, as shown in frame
3h52m50s
